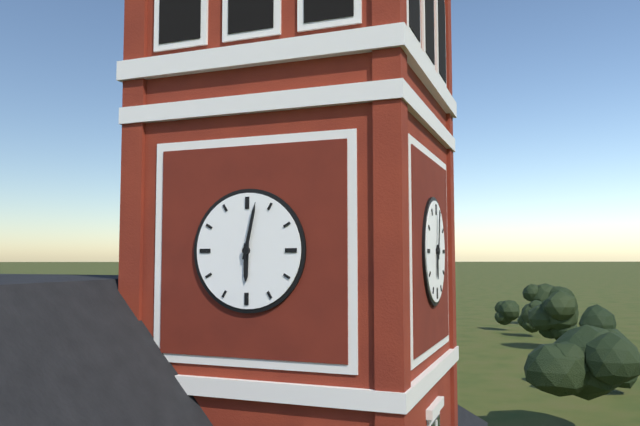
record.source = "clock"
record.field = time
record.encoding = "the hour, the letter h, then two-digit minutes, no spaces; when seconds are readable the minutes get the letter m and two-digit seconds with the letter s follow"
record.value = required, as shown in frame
6h02
